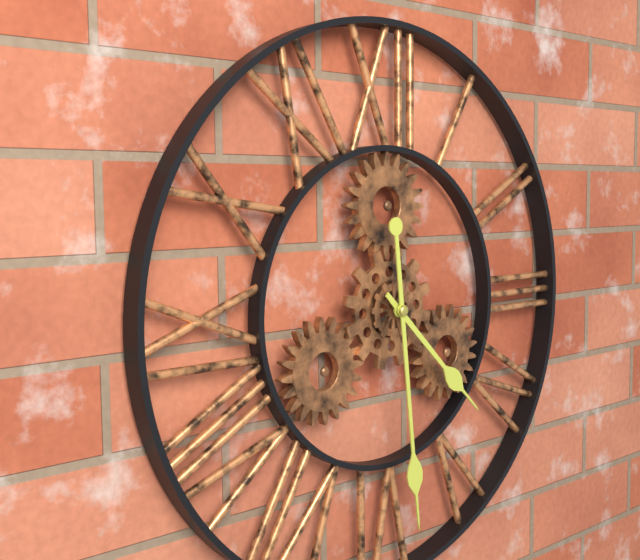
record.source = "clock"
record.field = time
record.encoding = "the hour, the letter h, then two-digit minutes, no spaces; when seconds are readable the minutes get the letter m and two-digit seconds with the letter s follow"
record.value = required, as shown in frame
4h29
